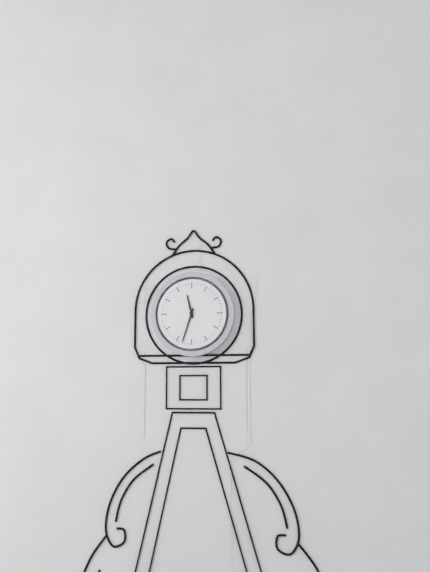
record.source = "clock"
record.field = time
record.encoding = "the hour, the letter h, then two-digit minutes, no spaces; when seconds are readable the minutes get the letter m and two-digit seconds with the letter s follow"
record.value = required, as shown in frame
11h33
